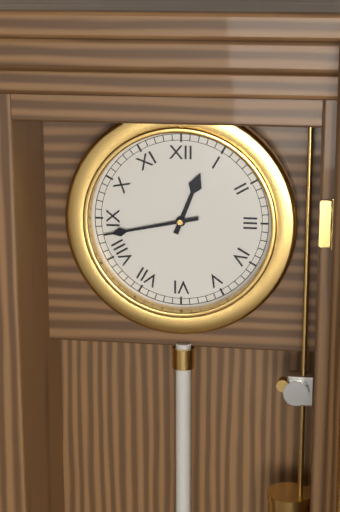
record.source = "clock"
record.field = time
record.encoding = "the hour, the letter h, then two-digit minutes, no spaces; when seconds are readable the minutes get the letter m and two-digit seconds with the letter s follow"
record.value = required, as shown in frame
12h43
